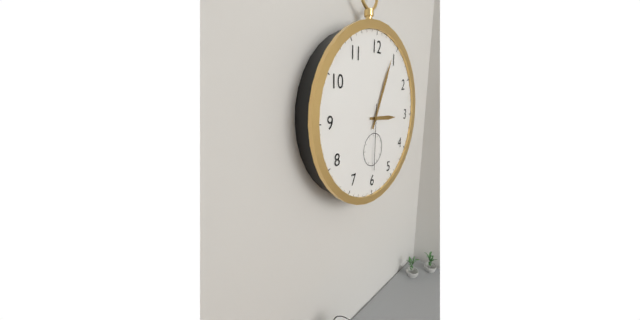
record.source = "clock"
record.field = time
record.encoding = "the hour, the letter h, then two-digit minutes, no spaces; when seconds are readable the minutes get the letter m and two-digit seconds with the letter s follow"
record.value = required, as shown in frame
3h04m30s
